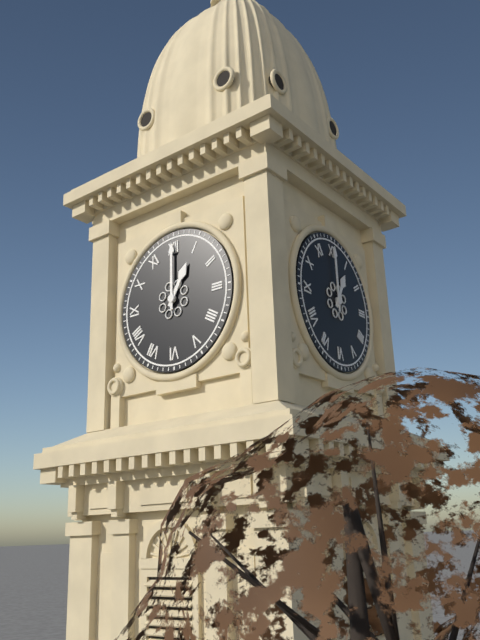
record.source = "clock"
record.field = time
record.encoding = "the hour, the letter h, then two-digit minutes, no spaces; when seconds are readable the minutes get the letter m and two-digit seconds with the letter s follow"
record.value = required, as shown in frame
1h00
